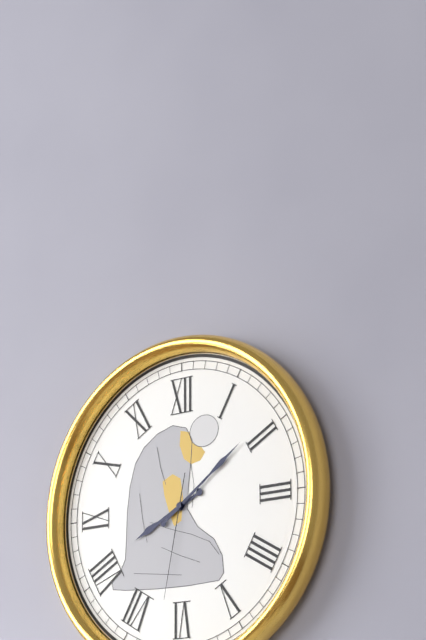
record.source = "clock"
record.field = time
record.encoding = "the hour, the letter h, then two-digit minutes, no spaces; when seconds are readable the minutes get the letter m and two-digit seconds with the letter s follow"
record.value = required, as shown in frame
8h09m32s
